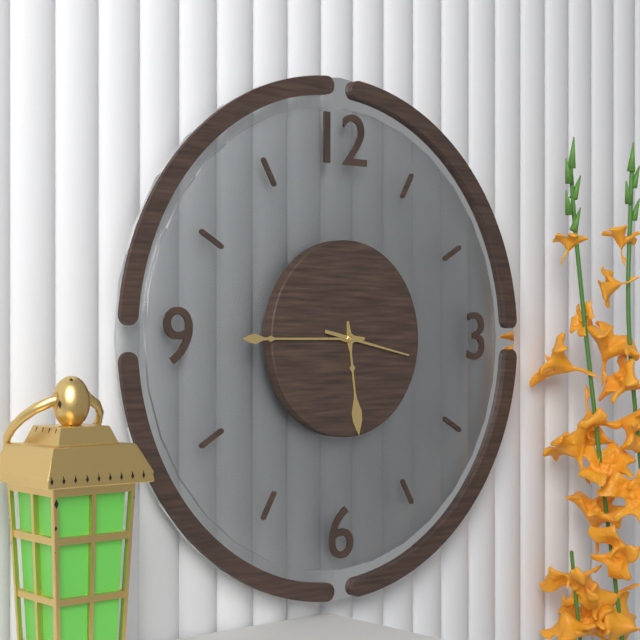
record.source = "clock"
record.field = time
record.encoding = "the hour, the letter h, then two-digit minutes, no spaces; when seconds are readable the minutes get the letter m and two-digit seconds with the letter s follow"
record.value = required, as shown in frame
5h45m17s
